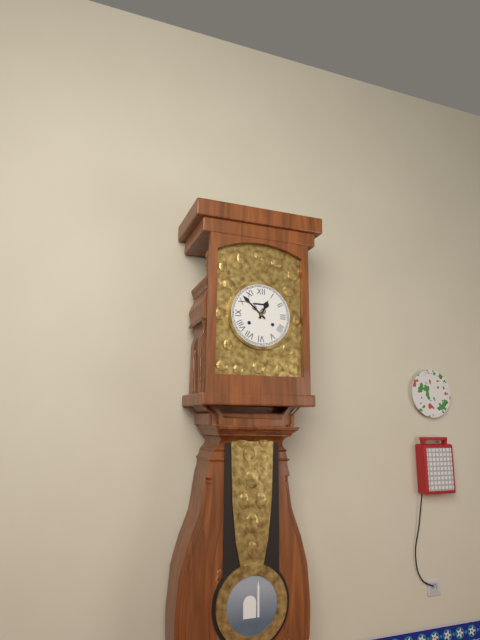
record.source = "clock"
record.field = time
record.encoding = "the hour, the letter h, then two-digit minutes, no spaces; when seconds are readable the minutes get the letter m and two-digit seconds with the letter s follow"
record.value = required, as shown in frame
12h52
